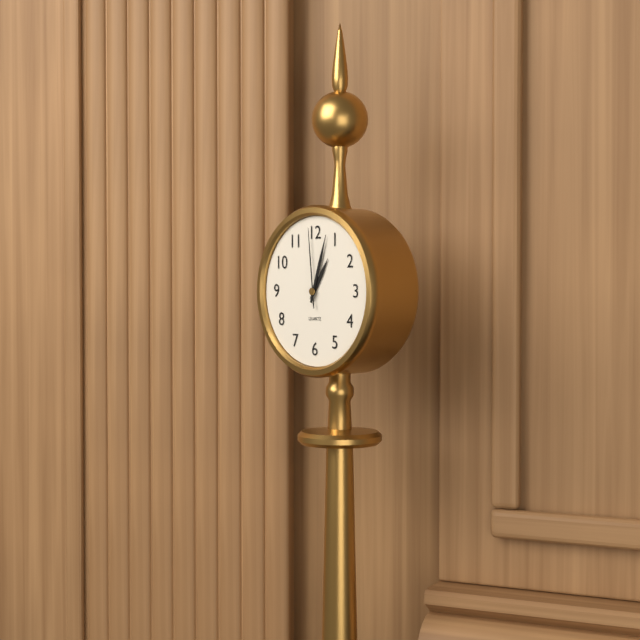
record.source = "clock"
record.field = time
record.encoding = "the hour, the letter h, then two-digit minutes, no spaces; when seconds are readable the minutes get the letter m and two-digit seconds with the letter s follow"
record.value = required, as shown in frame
1h03m59s
